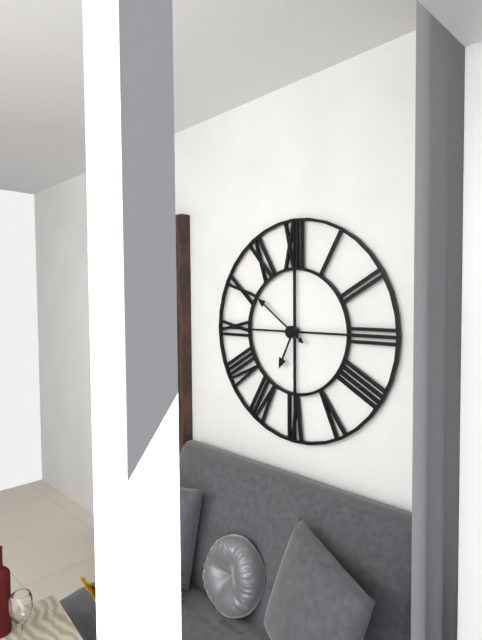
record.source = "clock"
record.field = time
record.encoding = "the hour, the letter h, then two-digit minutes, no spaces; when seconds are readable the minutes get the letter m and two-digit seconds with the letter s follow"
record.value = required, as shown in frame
6h51
